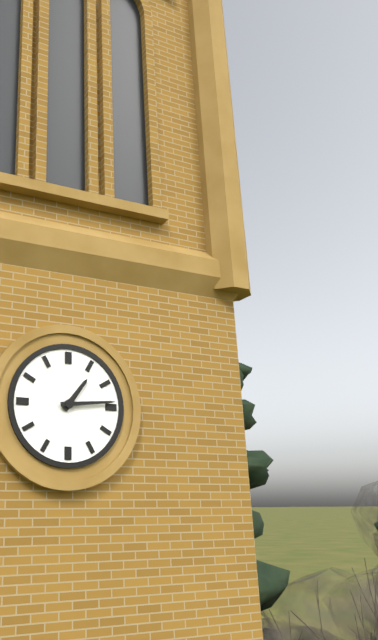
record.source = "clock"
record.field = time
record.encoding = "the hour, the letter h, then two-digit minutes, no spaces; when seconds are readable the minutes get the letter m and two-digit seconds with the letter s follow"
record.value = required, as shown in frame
1h14
